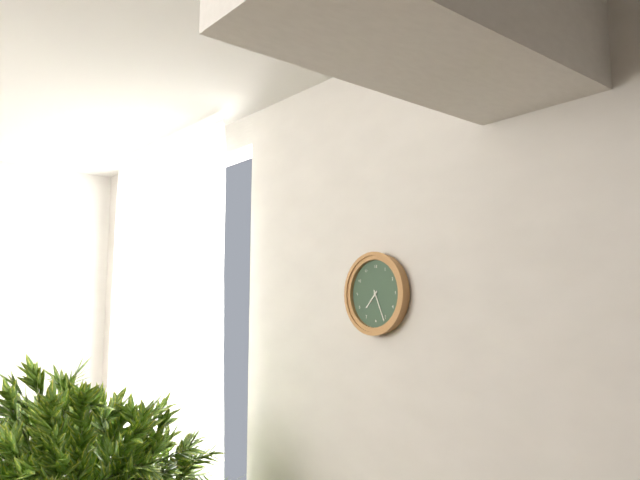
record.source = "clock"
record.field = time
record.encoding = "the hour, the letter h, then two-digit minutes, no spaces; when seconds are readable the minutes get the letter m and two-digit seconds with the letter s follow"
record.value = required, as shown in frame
7h26
